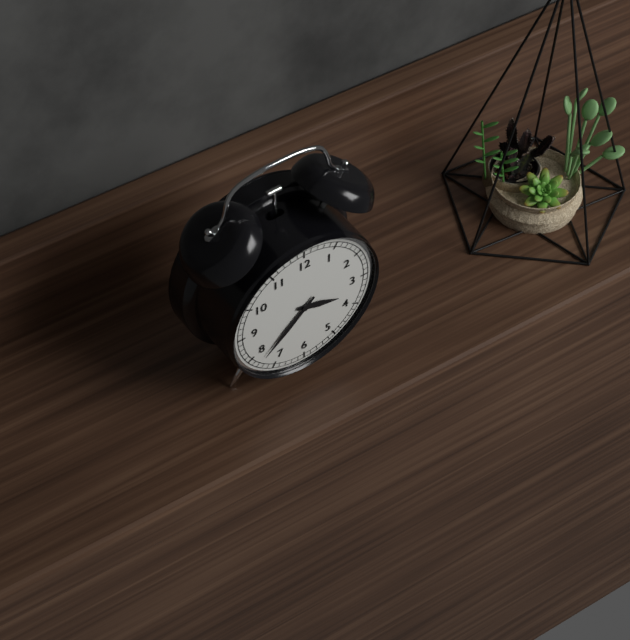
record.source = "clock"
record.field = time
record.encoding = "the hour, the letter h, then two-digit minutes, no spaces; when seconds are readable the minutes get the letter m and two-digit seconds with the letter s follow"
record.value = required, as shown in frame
3h38
